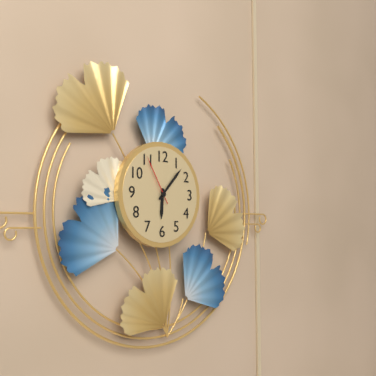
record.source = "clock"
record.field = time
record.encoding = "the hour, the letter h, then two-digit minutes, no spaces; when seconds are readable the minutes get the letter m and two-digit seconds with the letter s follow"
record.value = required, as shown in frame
6h07m55s
